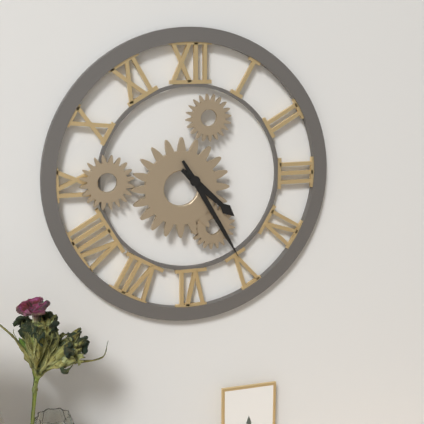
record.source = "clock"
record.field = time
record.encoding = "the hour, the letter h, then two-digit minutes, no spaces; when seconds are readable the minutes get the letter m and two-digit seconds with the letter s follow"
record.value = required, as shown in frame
4h25
